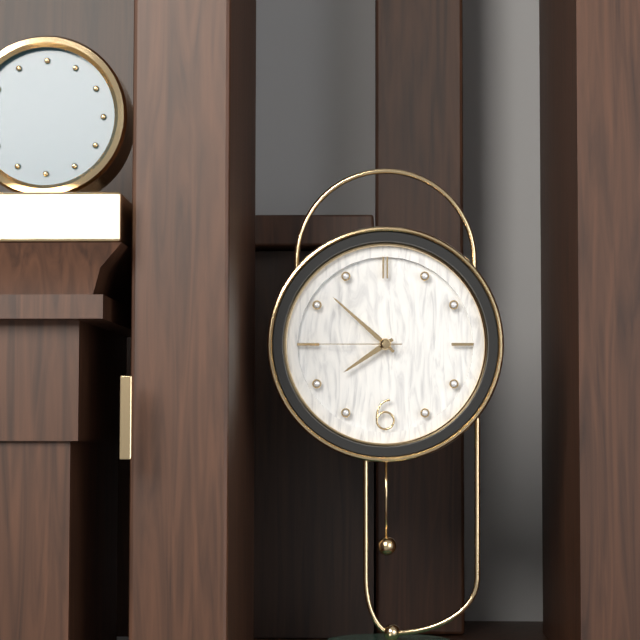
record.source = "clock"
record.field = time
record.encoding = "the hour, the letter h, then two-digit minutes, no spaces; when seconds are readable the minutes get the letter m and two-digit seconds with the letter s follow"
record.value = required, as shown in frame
7h52m45s
